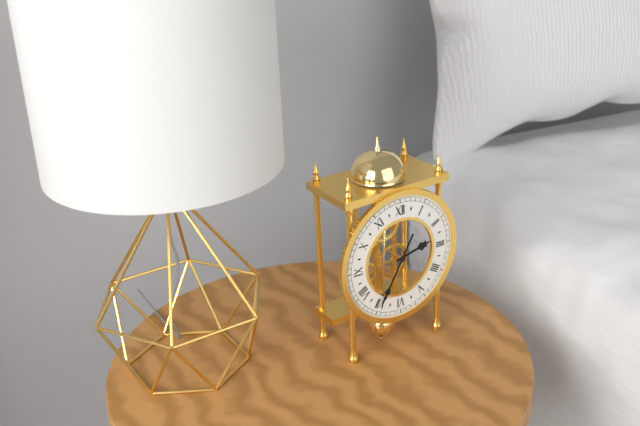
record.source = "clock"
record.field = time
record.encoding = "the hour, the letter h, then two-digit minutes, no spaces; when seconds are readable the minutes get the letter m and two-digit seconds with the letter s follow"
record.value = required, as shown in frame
2h35
